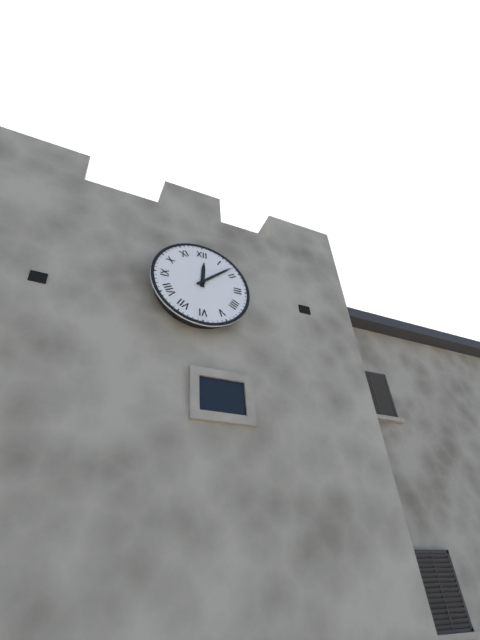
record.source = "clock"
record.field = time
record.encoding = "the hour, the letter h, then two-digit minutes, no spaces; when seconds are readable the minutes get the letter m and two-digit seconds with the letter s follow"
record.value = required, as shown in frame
12h08
